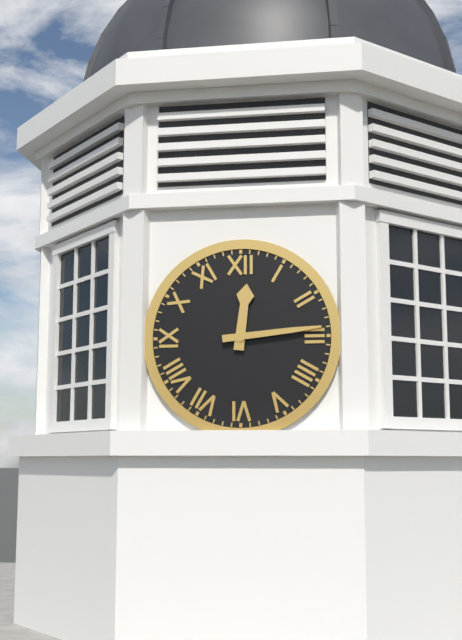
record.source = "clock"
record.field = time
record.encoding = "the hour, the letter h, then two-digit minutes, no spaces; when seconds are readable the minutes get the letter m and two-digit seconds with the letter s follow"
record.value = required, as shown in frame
12h14
